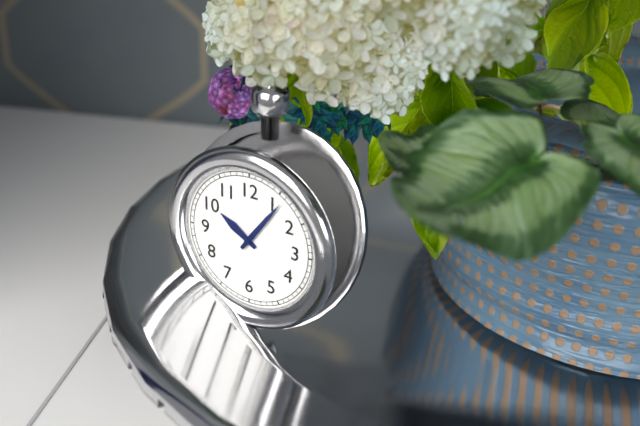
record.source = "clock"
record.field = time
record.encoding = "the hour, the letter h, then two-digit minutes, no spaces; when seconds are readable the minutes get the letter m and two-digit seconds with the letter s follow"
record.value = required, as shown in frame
10h06
